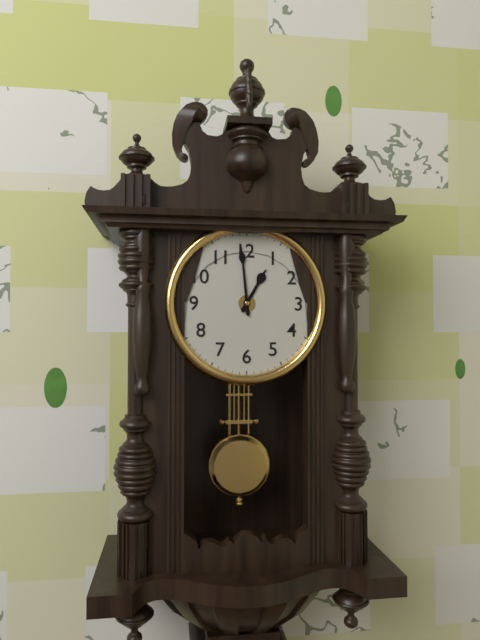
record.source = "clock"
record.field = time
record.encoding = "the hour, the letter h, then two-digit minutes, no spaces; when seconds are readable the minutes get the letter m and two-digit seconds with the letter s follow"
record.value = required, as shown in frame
12h59
